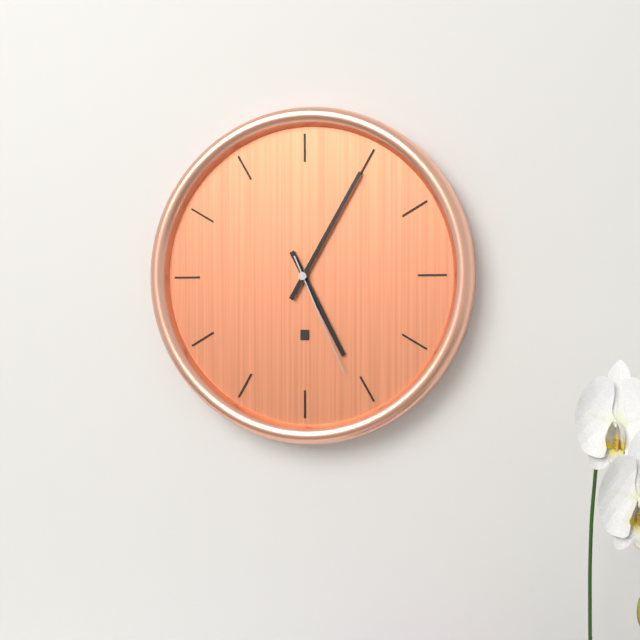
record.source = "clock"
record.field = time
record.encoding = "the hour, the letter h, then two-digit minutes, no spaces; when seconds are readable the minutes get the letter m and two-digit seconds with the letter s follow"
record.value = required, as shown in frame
5h05m26s
